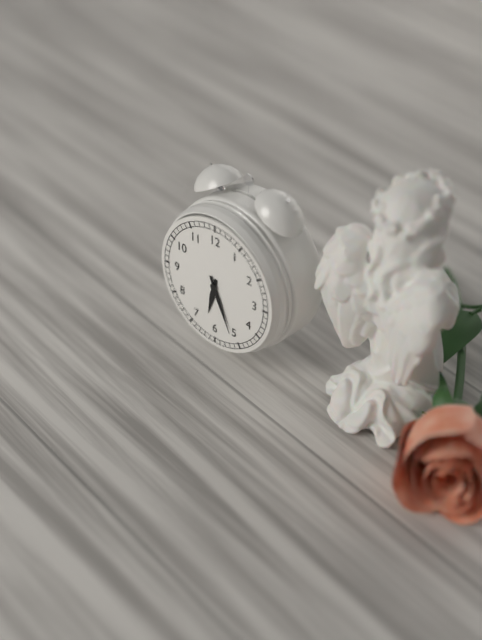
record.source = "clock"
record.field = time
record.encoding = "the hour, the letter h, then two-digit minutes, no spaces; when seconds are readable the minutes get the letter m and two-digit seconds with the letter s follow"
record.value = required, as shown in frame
6h26
